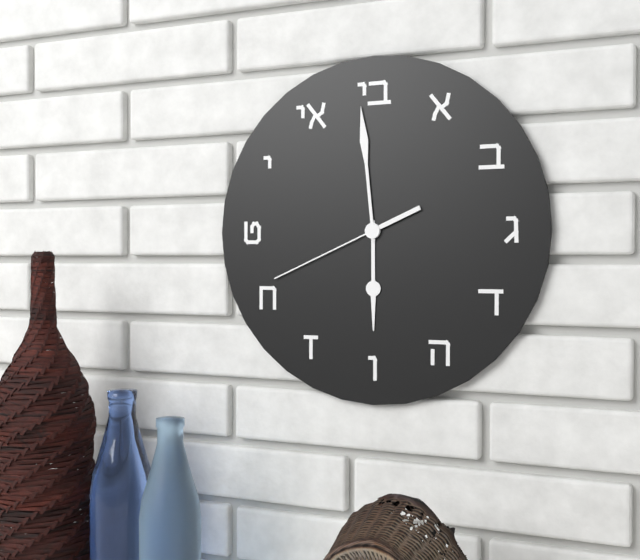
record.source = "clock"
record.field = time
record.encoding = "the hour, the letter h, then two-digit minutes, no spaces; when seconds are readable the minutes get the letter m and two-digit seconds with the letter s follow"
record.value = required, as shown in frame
5h59m41s
